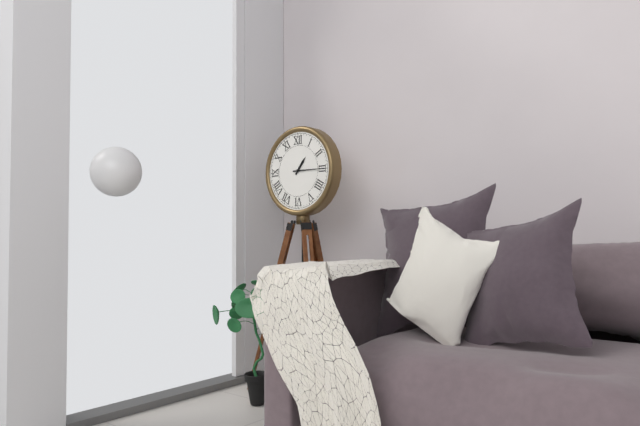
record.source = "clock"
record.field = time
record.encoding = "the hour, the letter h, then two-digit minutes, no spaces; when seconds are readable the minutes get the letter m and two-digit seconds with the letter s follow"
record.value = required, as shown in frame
1h15
